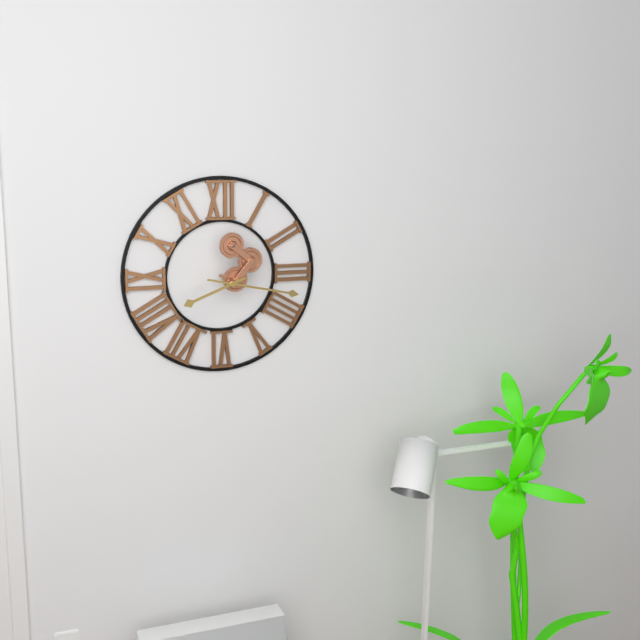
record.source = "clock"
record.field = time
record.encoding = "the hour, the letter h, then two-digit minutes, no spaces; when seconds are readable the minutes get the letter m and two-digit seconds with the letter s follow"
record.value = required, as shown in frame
8h17
